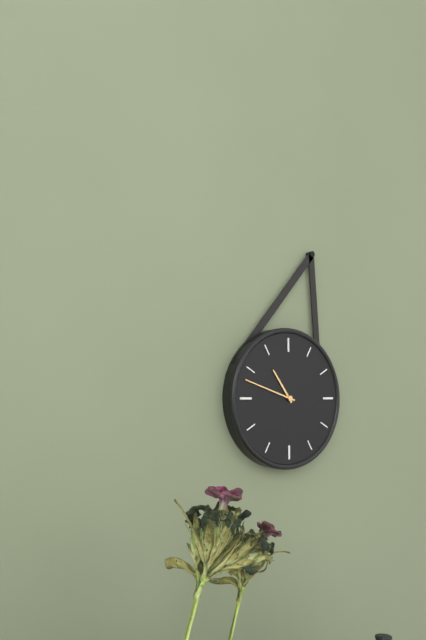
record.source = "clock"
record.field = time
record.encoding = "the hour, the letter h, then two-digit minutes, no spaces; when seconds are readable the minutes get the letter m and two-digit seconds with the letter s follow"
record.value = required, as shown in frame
10h48
